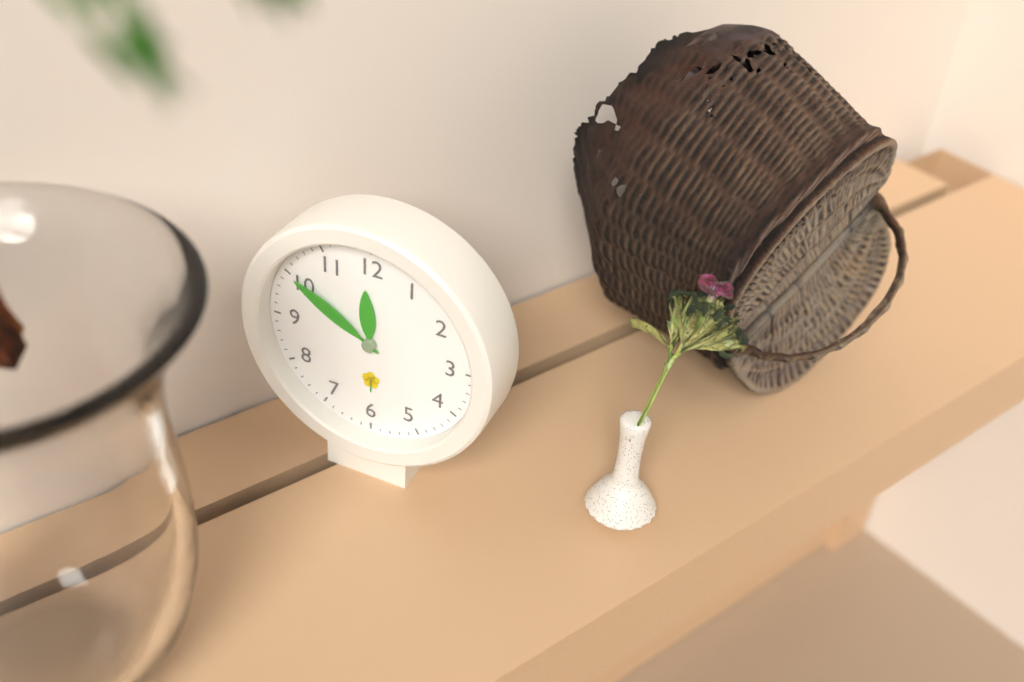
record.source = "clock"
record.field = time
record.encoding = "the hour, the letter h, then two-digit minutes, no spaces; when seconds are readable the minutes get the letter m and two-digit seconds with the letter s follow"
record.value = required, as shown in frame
11h50
